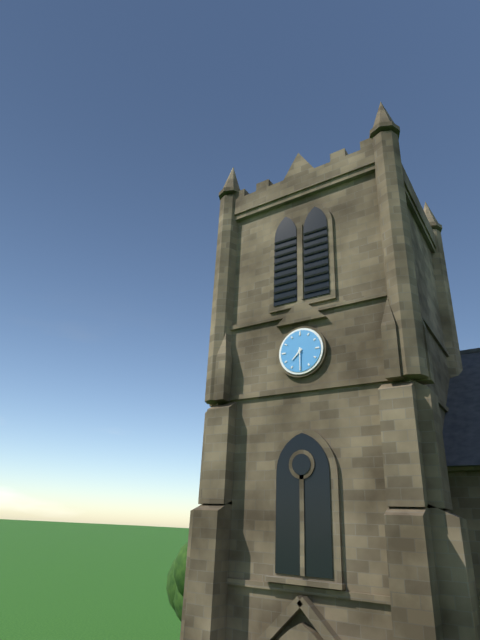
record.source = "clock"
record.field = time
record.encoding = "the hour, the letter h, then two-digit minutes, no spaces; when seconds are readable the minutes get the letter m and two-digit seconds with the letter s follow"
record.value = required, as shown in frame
7h30
